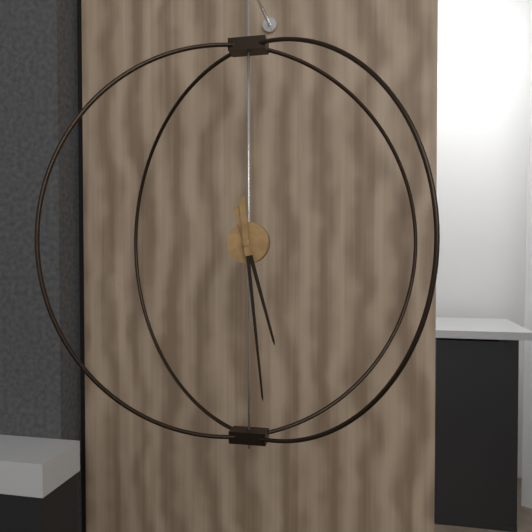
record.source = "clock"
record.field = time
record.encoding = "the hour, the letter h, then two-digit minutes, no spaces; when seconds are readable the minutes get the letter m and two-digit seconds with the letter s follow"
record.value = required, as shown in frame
5h29
